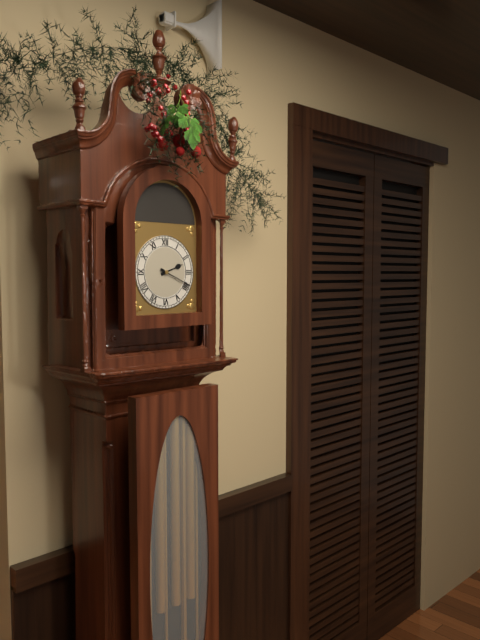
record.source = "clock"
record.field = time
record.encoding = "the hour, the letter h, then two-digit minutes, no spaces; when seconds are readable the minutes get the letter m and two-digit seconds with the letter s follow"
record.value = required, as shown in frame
2h19
